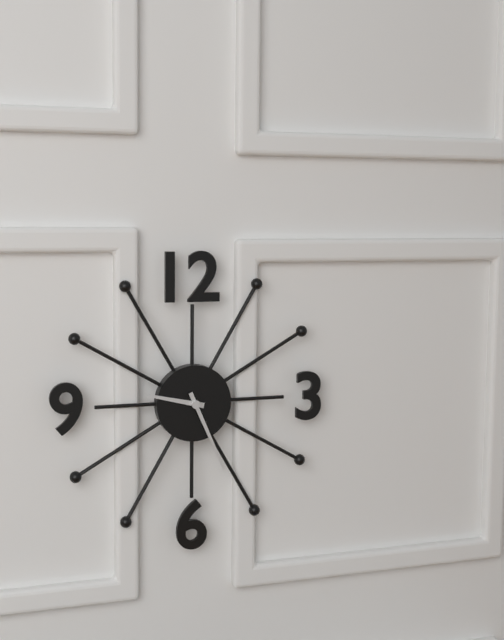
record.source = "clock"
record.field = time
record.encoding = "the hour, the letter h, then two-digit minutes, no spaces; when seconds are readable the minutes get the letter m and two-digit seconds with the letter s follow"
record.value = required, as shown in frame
9h26
